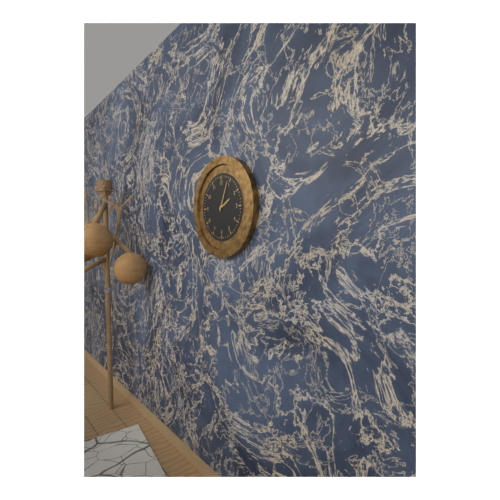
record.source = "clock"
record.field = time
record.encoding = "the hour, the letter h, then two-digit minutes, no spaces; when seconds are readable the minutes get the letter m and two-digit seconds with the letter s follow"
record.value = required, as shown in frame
2h04
